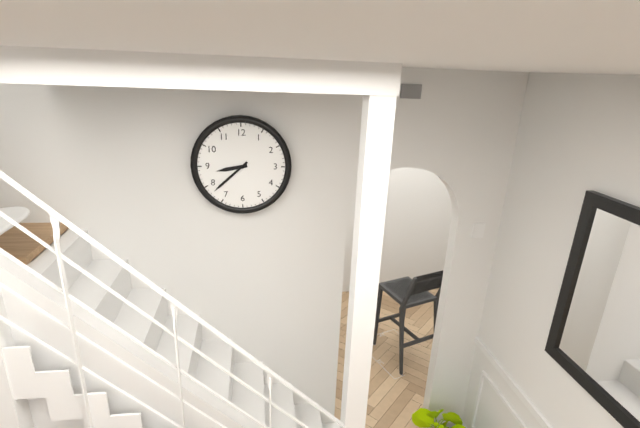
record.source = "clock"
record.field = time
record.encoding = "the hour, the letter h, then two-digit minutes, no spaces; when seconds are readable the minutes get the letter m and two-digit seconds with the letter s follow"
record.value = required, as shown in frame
8h38
